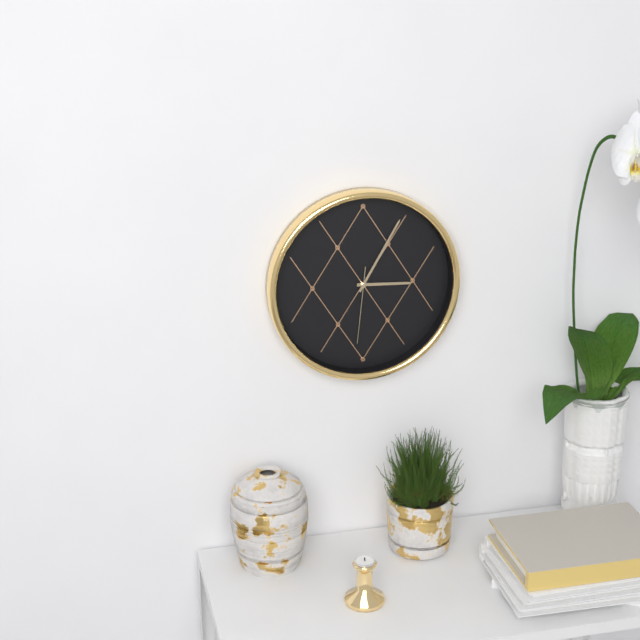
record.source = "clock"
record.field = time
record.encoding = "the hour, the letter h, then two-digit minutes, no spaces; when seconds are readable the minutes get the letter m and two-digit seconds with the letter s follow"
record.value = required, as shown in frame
3h05m31s
